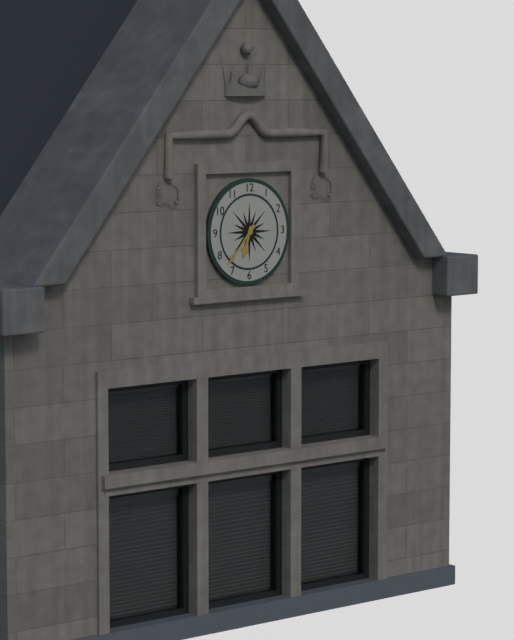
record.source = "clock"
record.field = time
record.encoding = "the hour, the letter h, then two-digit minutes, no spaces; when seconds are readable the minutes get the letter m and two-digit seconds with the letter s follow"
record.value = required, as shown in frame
6h37
